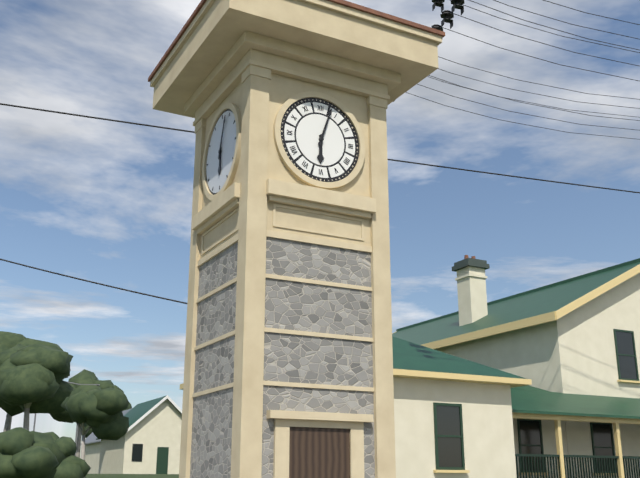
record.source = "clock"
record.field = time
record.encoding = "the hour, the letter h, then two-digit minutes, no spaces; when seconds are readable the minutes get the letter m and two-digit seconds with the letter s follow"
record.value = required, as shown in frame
6h03
